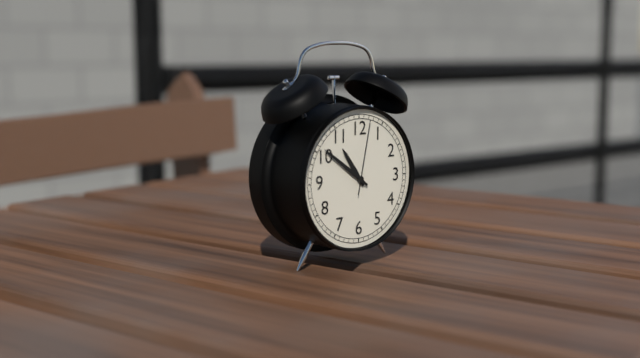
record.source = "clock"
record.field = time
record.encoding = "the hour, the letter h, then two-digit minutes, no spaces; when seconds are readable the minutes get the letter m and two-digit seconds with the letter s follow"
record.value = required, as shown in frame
10h51m02s
